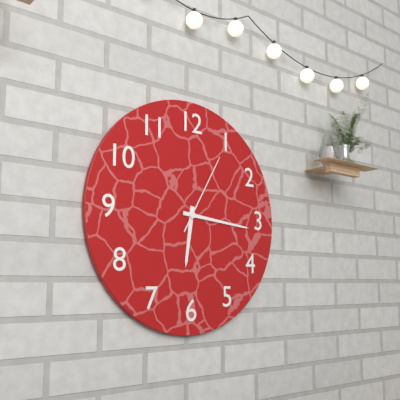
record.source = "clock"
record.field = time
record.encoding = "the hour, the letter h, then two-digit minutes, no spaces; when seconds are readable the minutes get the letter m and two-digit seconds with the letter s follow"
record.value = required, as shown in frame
6h16m05s
